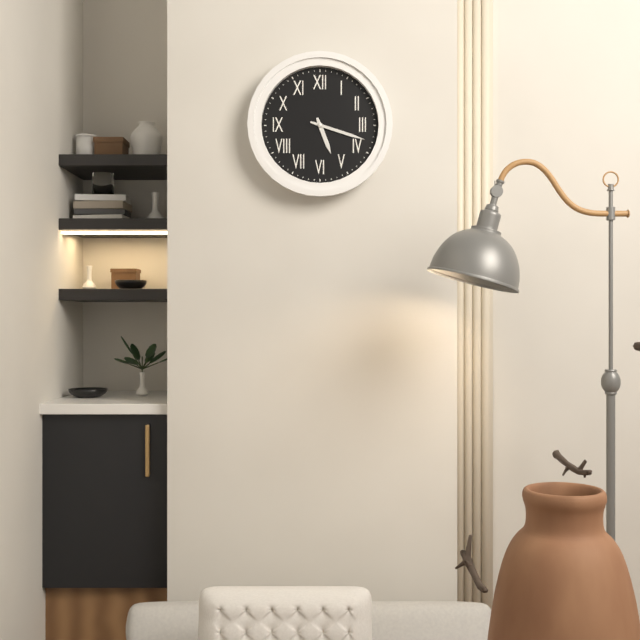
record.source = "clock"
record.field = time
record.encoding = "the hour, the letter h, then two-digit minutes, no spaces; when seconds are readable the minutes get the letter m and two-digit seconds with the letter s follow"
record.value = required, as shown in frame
5h18
